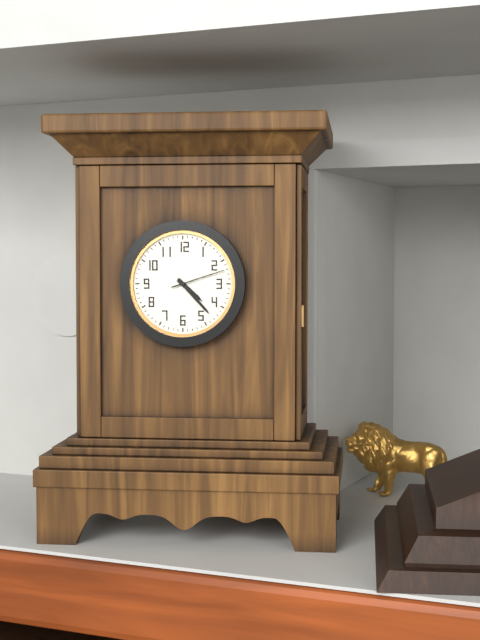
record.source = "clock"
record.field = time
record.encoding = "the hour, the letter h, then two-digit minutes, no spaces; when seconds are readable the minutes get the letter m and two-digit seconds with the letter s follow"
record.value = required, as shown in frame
4h23
